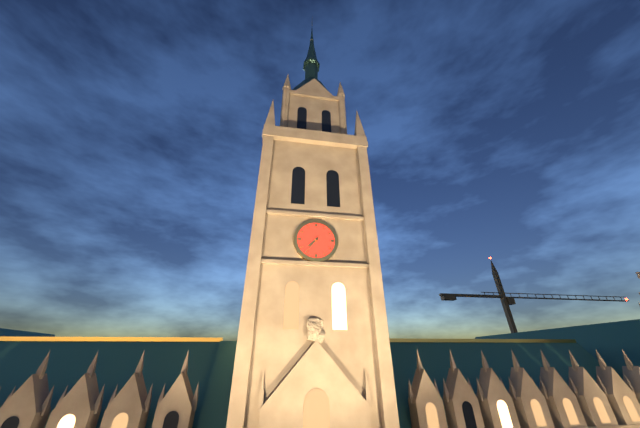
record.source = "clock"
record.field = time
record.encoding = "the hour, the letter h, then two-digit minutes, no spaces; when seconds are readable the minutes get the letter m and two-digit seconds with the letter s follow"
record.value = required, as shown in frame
7h36
